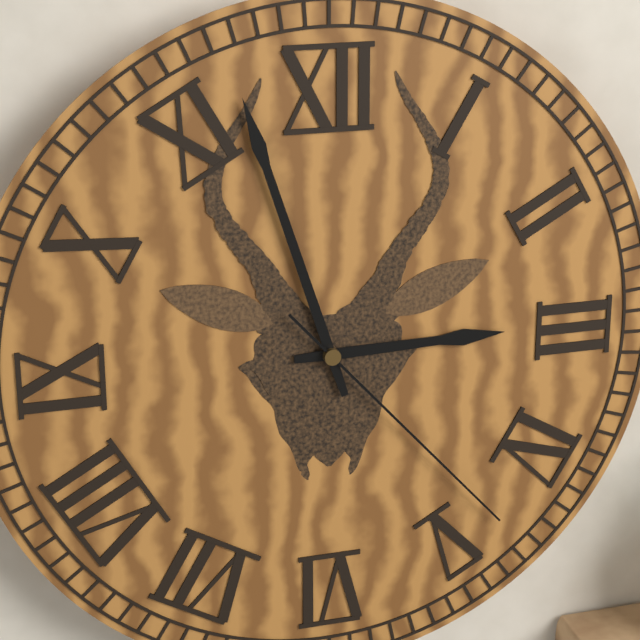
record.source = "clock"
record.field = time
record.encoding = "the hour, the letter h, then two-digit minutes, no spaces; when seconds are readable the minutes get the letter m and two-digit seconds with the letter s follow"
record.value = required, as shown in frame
2h57m23s
